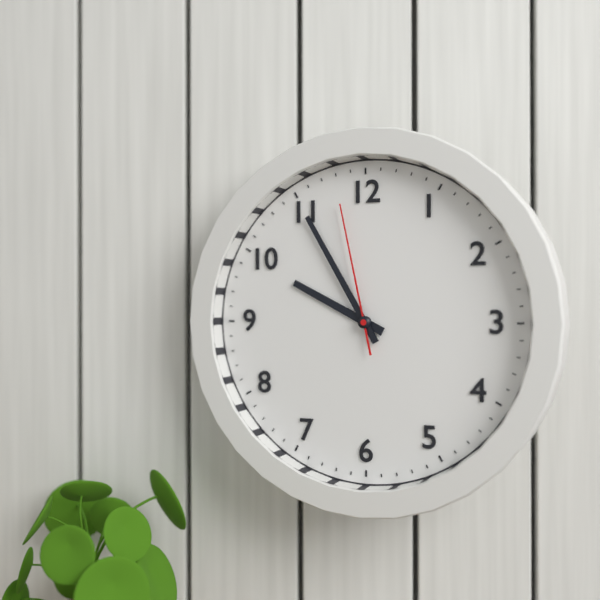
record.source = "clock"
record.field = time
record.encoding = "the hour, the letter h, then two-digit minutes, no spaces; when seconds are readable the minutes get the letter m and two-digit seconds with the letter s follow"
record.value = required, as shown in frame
9h55m58s
